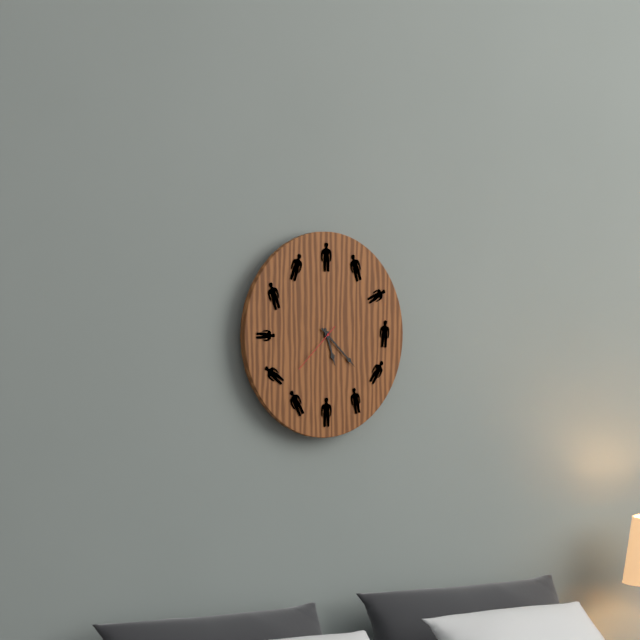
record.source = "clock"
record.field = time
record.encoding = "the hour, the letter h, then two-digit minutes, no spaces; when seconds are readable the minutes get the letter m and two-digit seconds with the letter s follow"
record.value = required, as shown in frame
5h22m38s
